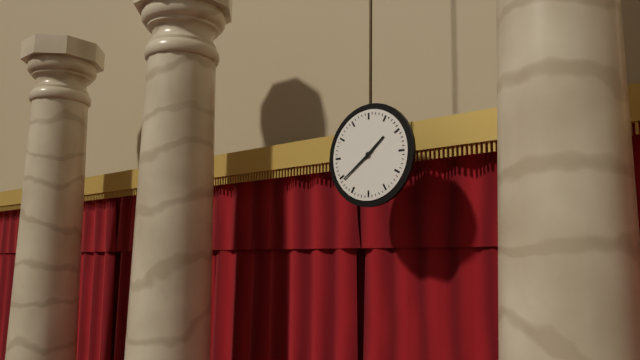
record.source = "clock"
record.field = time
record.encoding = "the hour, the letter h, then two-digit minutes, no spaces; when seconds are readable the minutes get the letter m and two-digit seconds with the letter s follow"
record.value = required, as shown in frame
1h39
